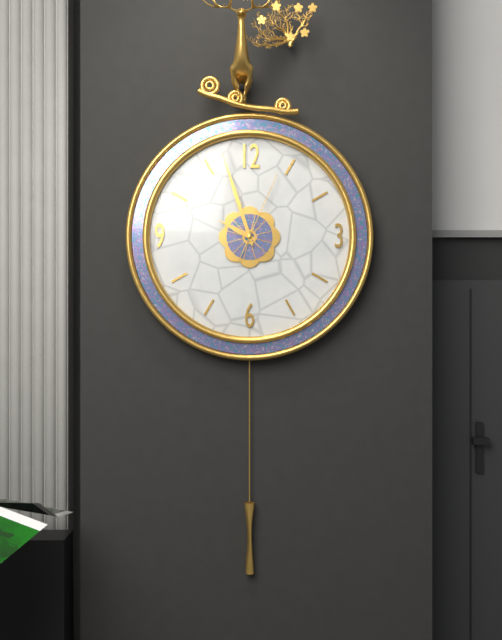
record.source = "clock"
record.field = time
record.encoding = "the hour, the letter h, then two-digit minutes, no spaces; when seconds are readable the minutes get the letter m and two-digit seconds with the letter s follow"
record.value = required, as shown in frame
9h57m04s
